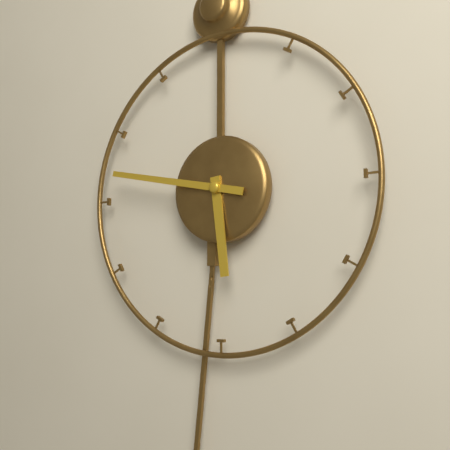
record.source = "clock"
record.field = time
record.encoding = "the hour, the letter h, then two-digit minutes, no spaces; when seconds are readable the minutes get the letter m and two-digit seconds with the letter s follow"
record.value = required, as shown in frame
5h47
